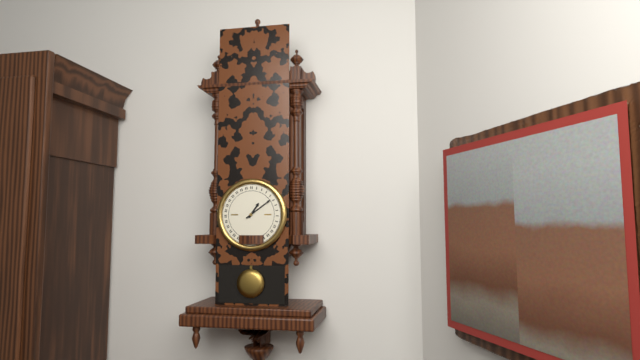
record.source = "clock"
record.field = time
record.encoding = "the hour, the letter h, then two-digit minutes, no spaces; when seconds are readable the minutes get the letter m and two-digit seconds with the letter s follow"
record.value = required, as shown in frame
1h09
